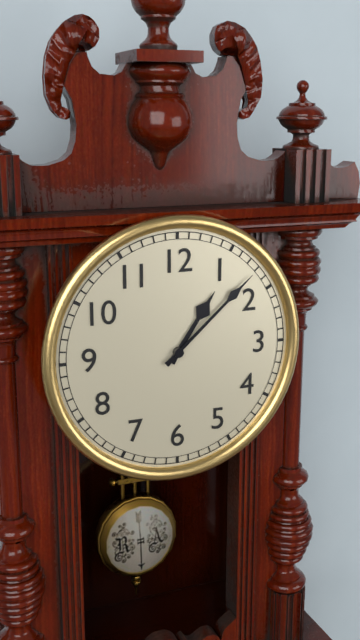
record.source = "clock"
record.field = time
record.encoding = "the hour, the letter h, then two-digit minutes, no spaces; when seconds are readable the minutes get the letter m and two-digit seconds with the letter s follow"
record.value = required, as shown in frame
1h08
